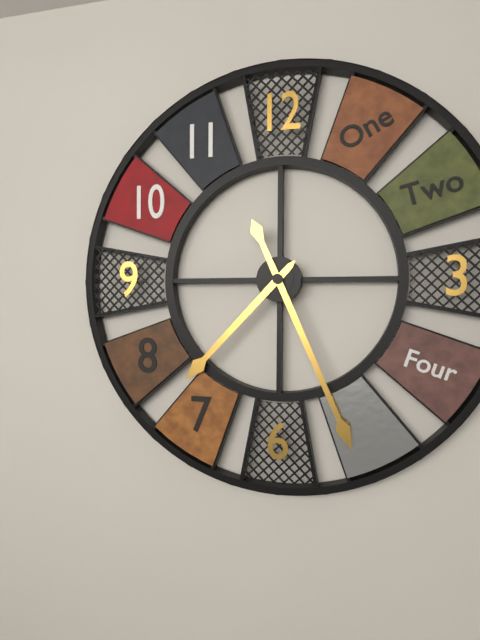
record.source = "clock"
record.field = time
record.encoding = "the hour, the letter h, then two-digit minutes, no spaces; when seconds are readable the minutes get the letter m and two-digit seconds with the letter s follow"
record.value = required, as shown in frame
7h26
